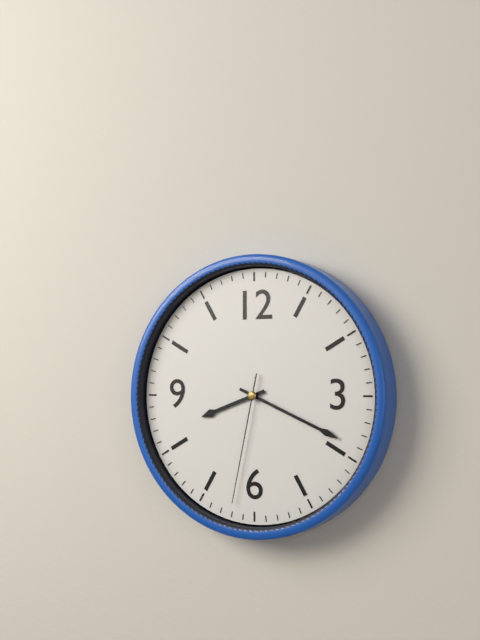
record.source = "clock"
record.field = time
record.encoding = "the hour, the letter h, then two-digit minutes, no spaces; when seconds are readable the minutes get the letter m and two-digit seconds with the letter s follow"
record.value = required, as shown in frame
8h19m32s
